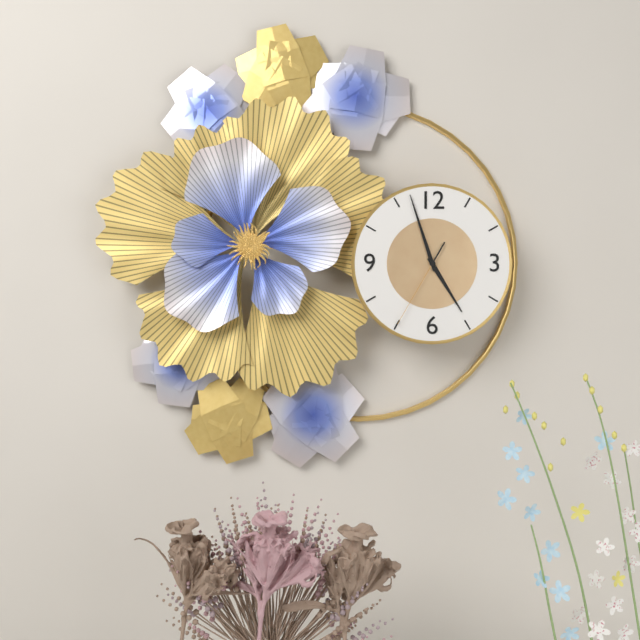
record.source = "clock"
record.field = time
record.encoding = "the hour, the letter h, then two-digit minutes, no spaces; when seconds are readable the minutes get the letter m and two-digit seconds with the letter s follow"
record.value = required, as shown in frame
4h57m35s
